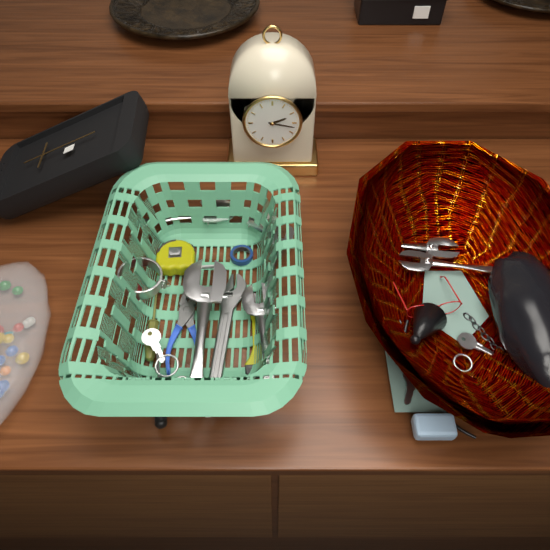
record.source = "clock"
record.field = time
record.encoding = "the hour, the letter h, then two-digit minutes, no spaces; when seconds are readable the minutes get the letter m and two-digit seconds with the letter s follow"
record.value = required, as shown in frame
2h17
